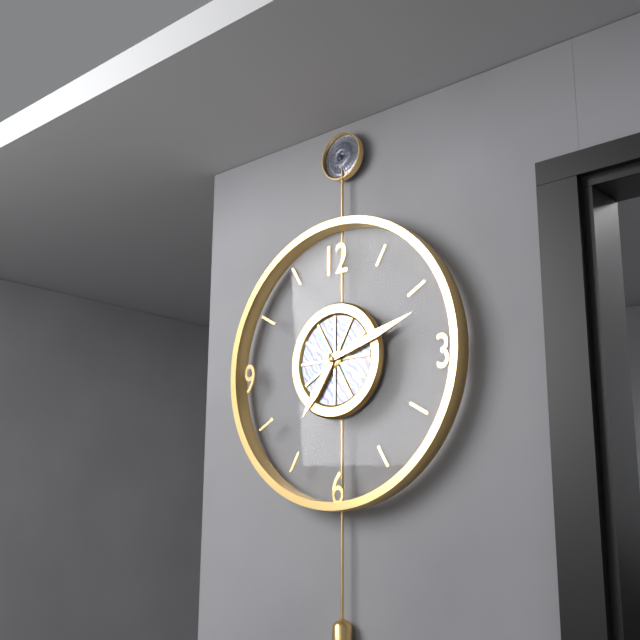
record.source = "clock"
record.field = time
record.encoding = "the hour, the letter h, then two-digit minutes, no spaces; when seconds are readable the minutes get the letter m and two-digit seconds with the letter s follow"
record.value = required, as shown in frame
7h12
